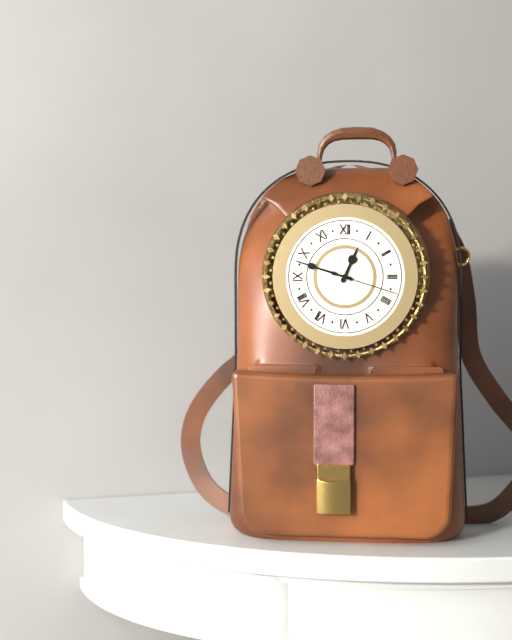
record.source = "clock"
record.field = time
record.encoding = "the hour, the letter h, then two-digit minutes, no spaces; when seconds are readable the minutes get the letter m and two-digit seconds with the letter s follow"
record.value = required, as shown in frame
12h48m18s
